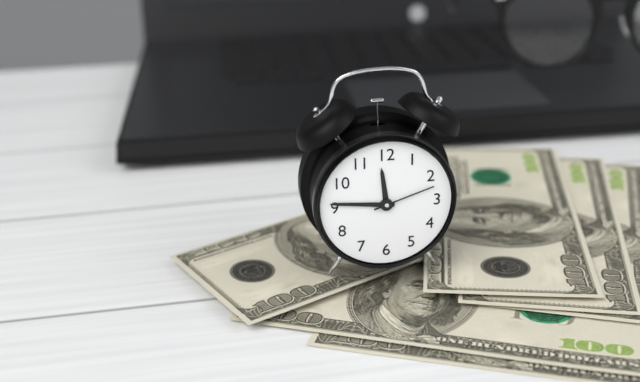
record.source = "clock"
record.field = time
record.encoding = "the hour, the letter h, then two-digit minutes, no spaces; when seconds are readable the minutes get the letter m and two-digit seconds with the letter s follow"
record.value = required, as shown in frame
11h46m12s
